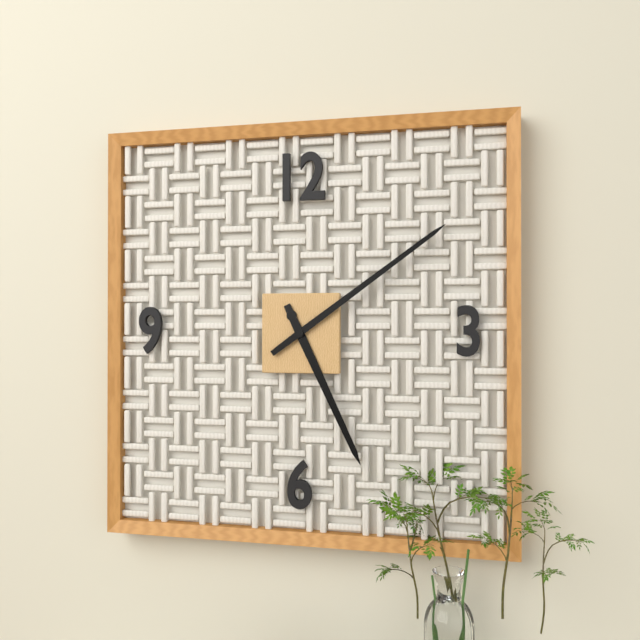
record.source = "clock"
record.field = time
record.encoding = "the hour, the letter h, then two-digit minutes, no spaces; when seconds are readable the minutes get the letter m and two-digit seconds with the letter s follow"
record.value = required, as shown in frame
5h09
